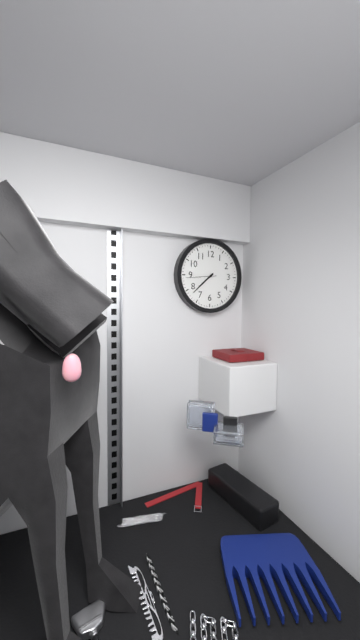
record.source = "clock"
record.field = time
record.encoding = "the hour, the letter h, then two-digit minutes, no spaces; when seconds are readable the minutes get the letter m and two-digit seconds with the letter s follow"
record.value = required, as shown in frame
7h38
